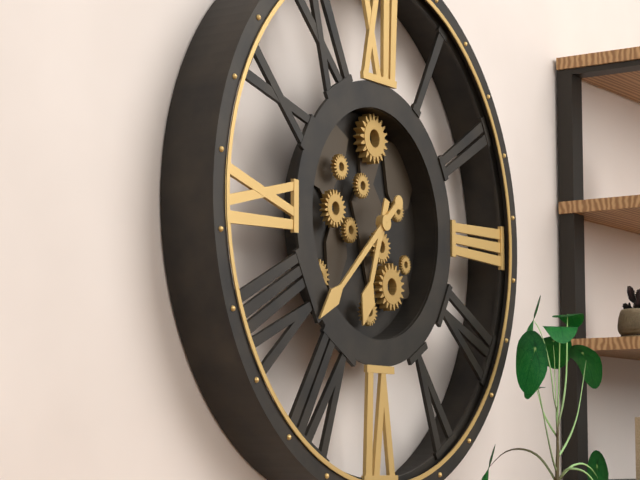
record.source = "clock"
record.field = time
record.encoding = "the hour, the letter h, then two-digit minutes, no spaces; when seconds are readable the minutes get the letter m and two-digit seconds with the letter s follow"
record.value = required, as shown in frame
6h38
